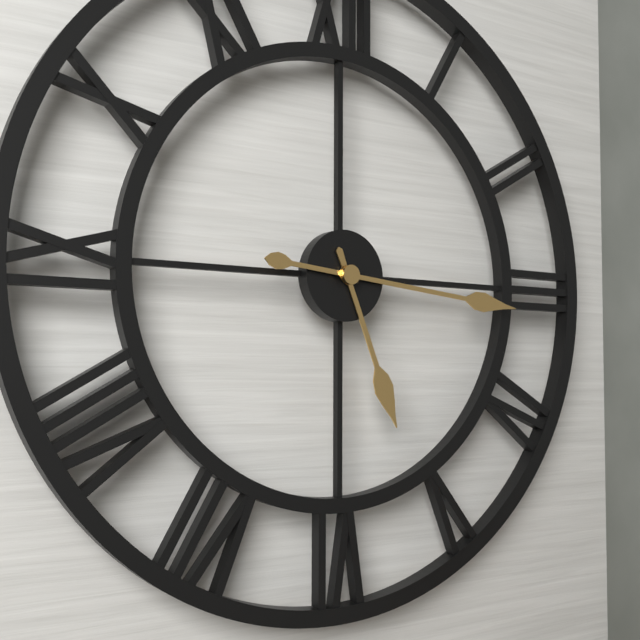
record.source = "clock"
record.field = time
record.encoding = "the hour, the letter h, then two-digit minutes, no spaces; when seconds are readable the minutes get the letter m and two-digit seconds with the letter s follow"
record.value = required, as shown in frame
5h16
